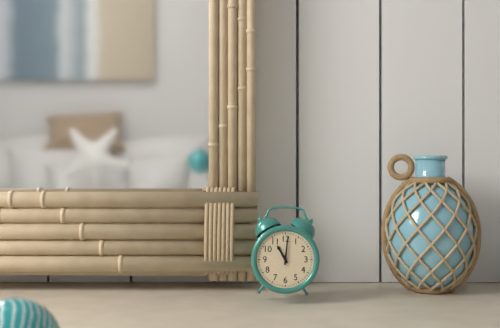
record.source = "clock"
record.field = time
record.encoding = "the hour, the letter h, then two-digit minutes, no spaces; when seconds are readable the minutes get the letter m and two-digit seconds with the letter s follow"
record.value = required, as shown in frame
11h01
